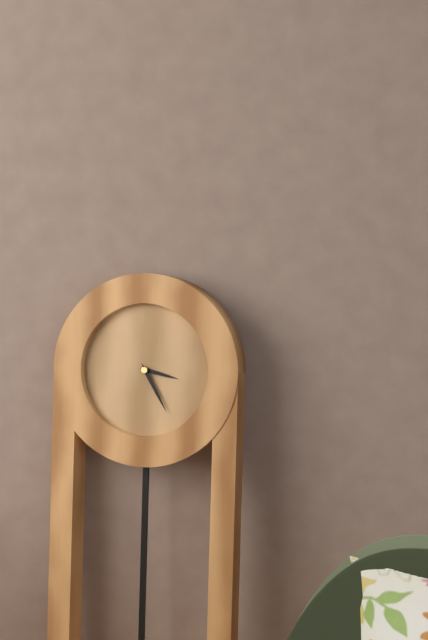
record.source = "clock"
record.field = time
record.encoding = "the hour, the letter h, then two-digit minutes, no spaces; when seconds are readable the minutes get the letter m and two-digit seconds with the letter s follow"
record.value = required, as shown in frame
3h25
